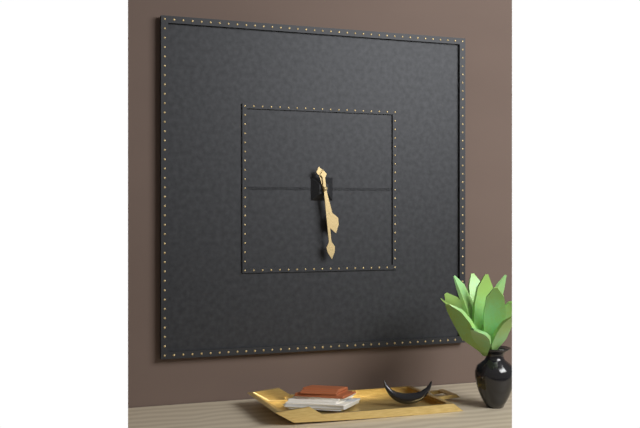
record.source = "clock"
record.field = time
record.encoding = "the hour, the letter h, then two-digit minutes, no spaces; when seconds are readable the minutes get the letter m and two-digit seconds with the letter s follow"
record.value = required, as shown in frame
5h29
